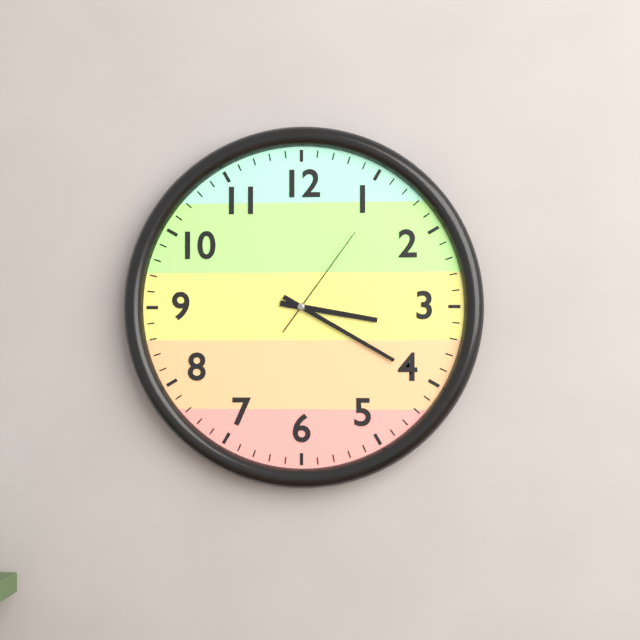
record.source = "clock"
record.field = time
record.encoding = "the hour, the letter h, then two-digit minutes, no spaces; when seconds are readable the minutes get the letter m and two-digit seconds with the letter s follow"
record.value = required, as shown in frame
3h20m06s
